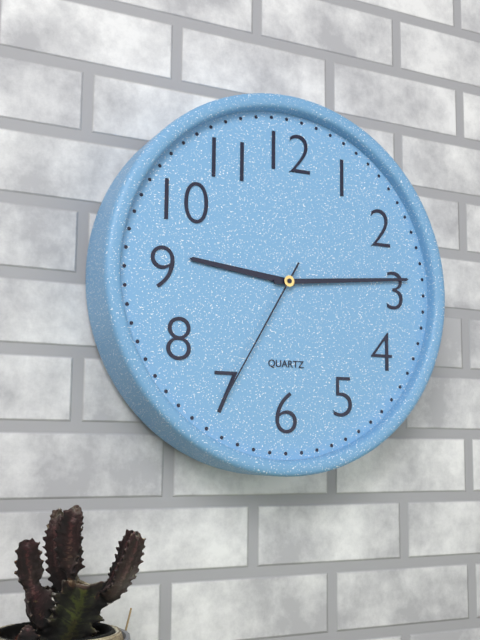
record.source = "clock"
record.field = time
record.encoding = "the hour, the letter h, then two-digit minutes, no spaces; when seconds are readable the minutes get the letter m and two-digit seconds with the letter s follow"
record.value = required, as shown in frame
9h14m35s
